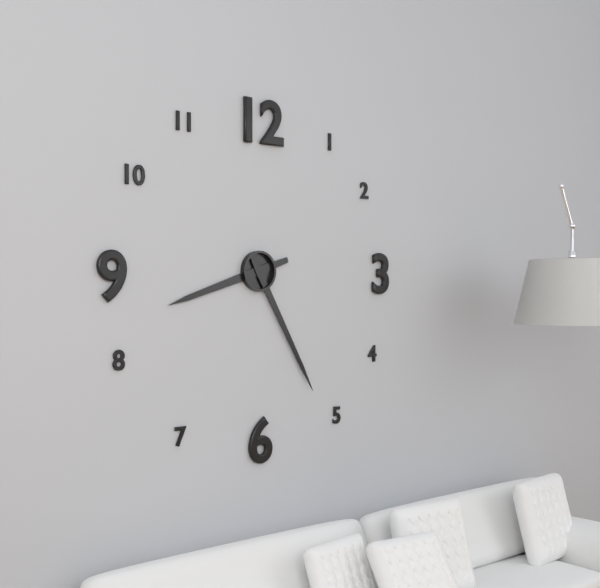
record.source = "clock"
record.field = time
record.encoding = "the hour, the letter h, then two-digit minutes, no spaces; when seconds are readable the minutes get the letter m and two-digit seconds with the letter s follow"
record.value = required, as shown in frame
8h25
